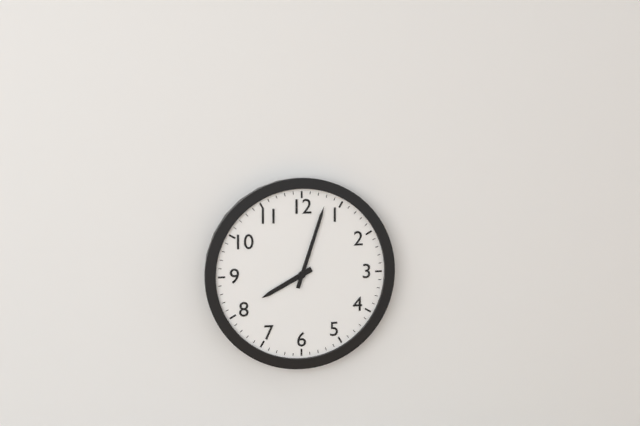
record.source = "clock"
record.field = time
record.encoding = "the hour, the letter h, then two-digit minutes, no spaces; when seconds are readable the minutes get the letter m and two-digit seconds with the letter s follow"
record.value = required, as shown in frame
8h03
